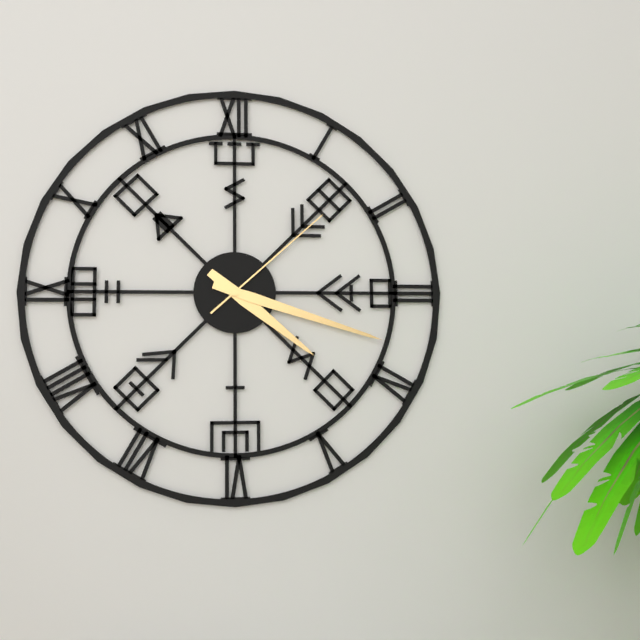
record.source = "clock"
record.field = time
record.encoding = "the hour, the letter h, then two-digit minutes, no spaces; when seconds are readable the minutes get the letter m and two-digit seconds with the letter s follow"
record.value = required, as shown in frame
4h18m08s
